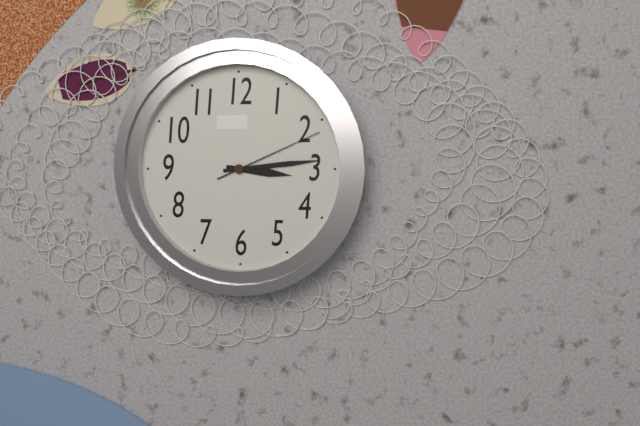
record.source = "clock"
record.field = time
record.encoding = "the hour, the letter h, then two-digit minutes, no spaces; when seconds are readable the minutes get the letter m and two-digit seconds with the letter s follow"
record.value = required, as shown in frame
3h14m11s
